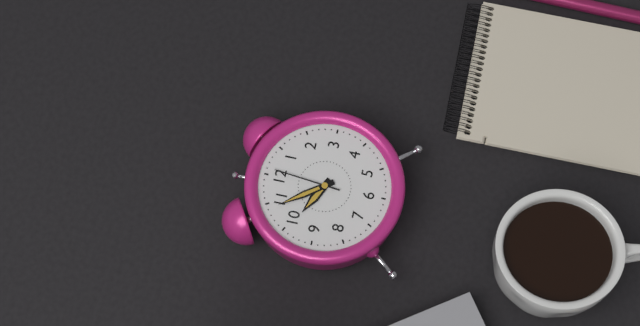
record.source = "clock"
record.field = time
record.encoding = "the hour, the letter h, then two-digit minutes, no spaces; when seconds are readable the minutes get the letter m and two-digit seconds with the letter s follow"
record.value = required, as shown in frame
9h54m01s
